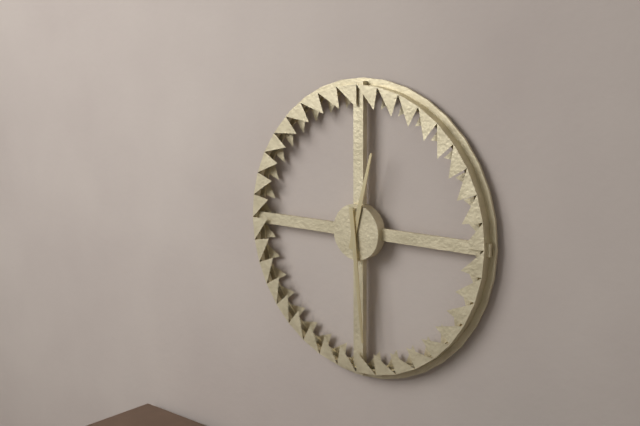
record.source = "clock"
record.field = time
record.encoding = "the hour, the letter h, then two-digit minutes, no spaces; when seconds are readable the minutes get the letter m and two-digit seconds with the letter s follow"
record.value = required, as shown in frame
12h29
